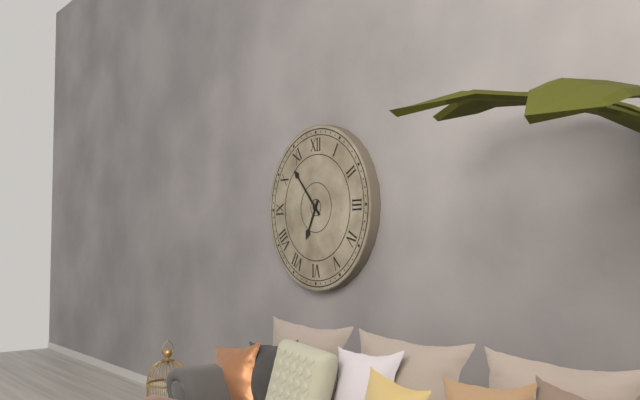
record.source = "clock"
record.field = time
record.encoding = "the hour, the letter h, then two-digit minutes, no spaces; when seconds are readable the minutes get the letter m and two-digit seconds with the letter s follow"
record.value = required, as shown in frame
6h53
